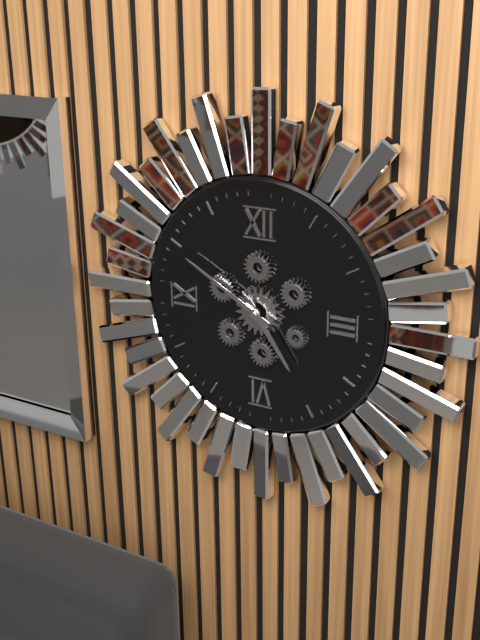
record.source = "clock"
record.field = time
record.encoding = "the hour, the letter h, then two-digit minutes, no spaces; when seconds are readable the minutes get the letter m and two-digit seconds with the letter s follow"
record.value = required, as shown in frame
4h50
